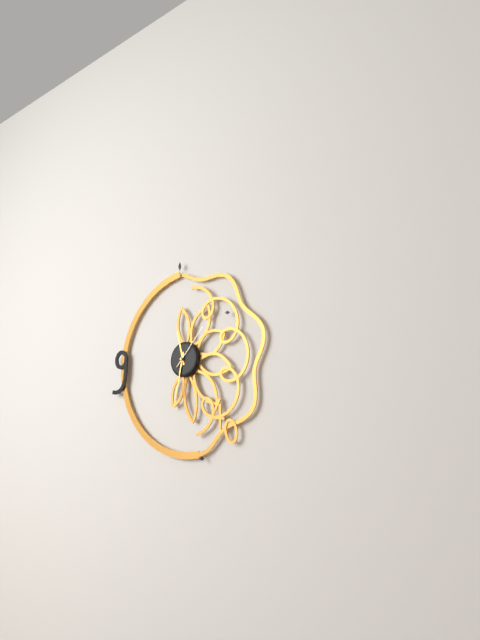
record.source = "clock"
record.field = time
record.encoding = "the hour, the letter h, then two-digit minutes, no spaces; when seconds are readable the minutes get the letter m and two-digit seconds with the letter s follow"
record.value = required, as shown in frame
11h32
